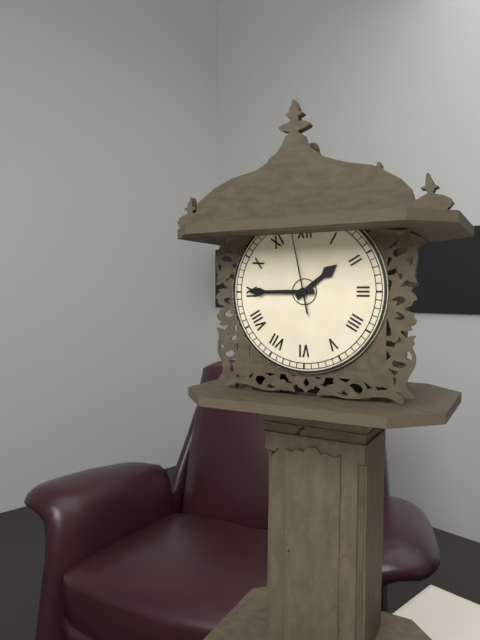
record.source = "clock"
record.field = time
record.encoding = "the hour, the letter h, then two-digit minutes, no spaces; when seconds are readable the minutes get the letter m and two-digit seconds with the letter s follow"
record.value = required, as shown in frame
1h45m58s
